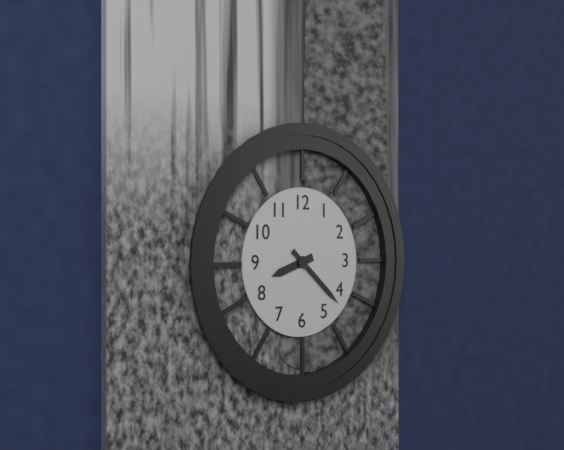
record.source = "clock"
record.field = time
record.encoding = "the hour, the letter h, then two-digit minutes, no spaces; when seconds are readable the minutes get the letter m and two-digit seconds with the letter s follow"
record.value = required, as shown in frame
8h22
